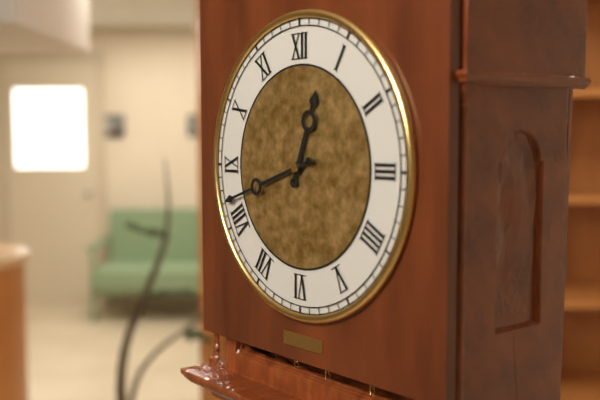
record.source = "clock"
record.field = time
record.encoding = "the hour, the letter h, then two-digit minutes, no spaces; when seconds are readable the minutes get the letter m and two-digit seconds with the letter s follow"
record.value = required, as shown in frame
12h42
